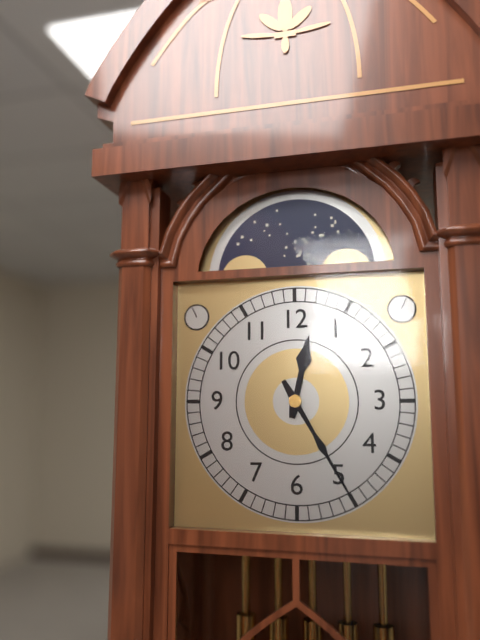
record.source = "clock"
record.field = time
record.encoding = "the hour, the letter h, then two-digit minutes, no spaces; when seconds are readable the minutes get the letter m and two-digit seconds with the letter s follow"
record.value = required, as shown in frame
12h25
